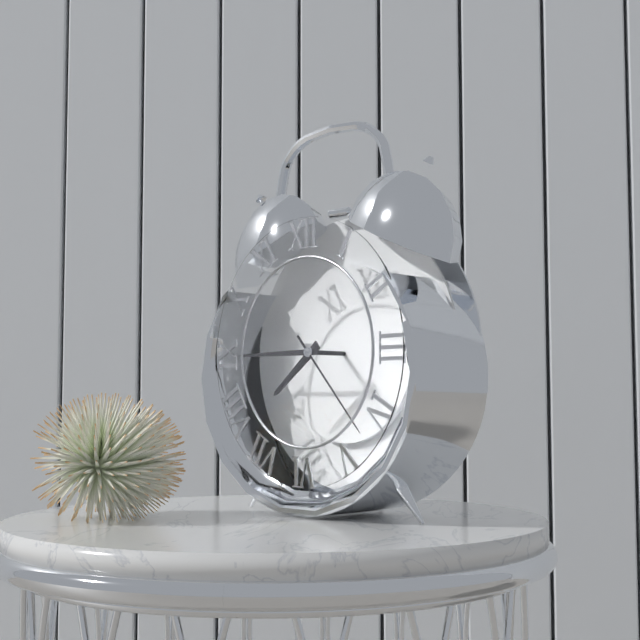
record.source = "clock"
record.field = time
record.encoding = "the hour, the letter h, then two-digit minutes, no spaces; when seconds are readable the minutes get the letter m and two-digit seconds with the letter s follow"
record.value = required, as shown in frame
7h45m23s
